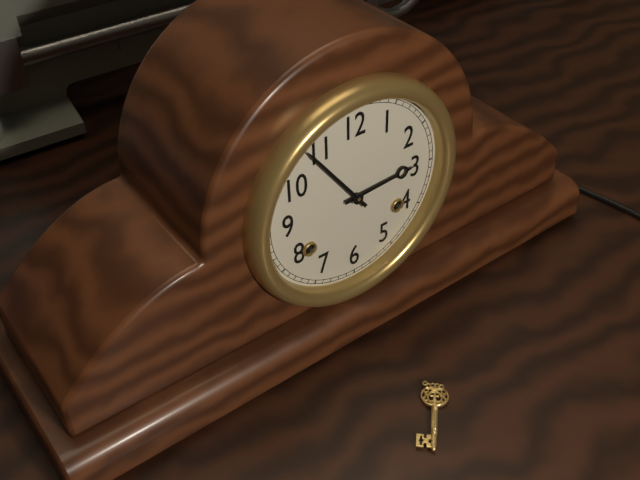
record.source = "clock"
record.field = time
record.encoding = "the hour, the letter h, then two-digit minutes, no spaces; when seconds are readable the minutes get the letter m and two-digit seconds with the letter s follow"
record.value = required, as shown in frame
2h54
